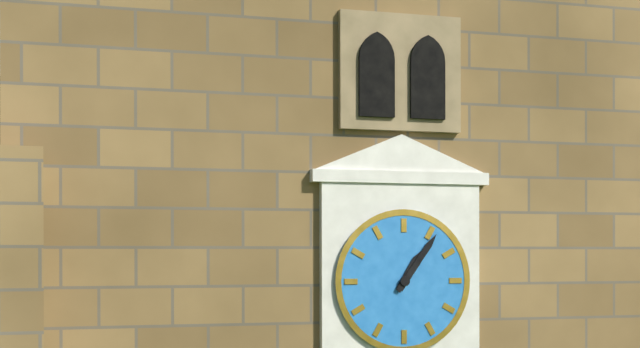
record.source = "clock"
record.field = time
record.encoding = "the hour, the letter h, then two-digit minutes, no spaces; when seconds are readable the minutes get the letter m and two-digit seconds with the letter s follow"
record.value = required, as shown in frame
1h06
